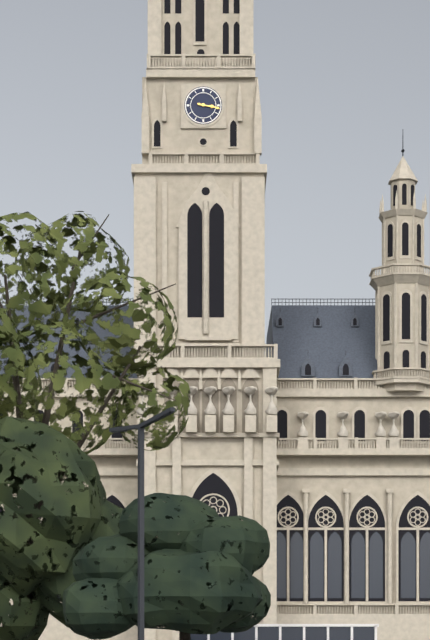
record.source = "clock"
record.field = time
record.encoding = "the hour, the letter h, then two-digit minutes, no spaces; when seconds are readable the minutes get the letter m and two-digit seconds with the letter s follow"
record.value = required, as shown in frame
3h17
